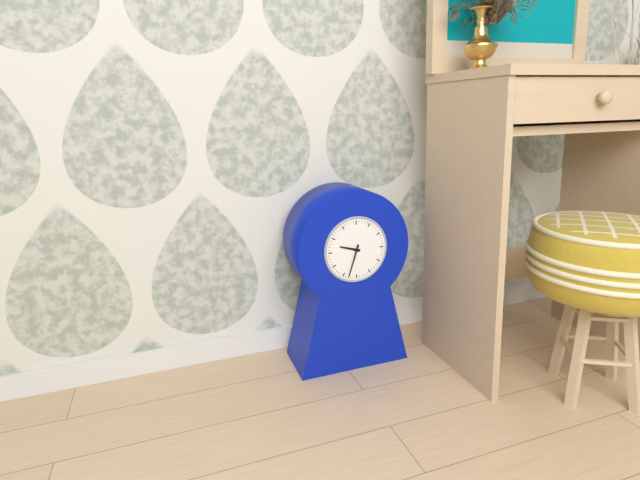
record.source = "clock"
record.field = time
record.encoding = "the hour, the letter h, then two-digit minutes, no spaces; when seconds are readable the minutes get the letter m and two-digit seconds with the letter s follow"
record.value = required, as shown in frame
9h33
